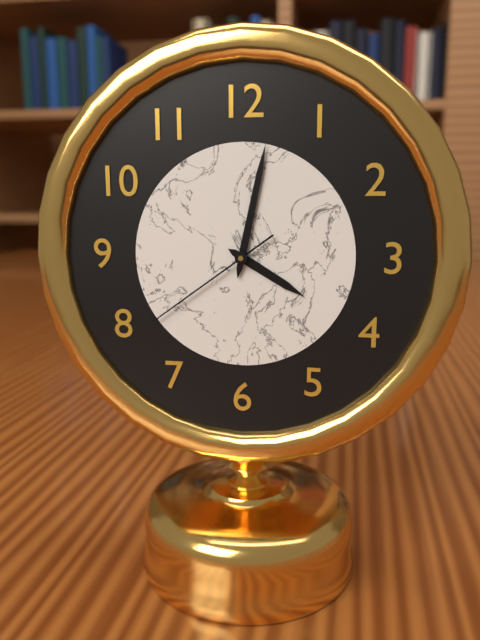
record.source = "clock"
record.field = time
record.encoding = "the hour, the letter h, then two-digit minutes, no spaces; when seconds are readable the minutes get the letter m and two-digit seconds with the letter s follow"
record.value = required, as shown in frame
4h02m39s
